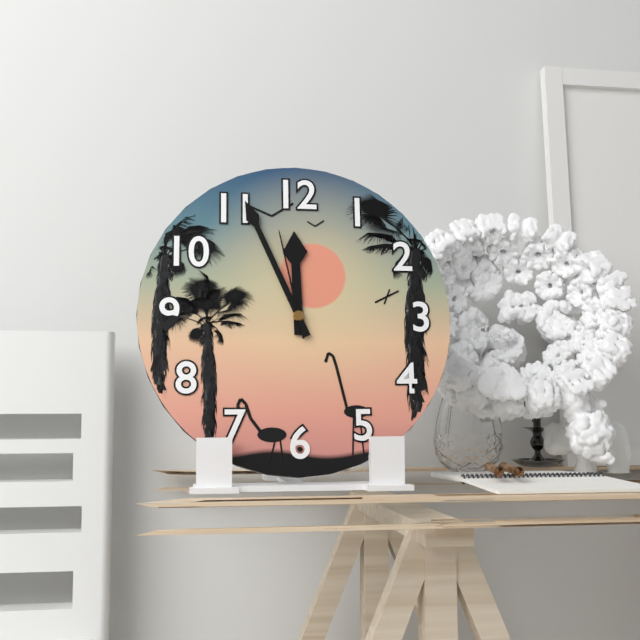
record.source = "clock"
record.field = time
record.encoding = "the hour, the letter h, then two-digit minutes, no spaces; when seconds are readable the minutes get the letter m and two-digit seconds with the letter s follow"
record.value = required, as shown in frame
11h56m58s
